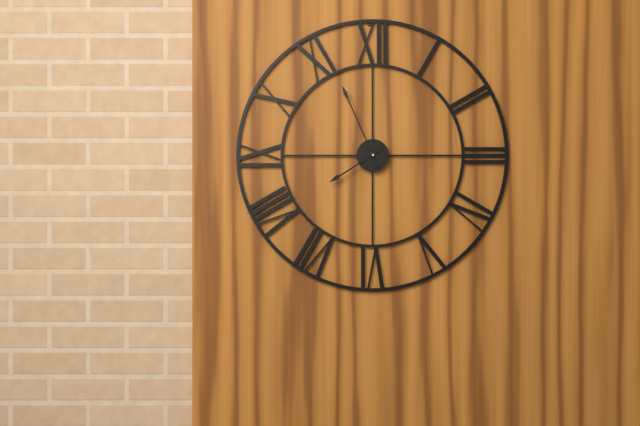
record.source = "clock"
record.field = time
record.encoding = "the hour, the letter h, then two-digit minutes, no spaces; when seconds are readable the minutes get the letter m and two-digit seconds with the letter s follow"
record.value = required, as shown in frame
7h56
